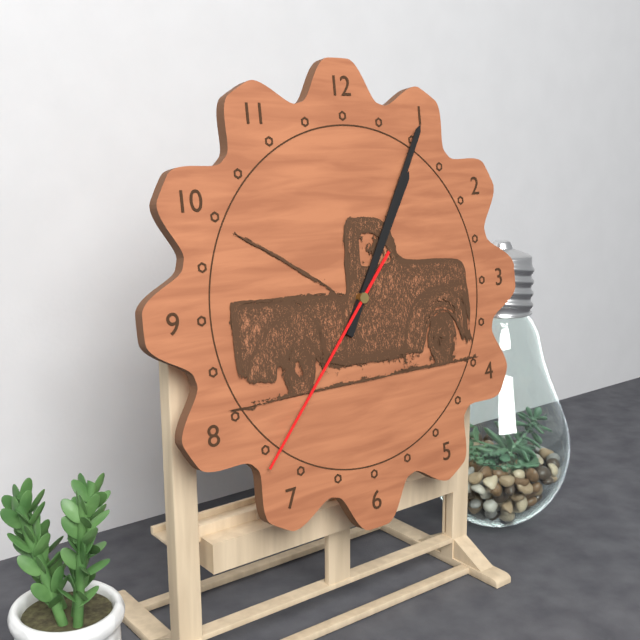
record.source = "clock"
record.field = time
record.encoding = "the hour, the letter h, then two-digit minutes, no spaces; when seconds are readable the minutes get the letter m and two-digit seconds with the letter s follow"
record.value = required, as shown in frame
1h05m37s
